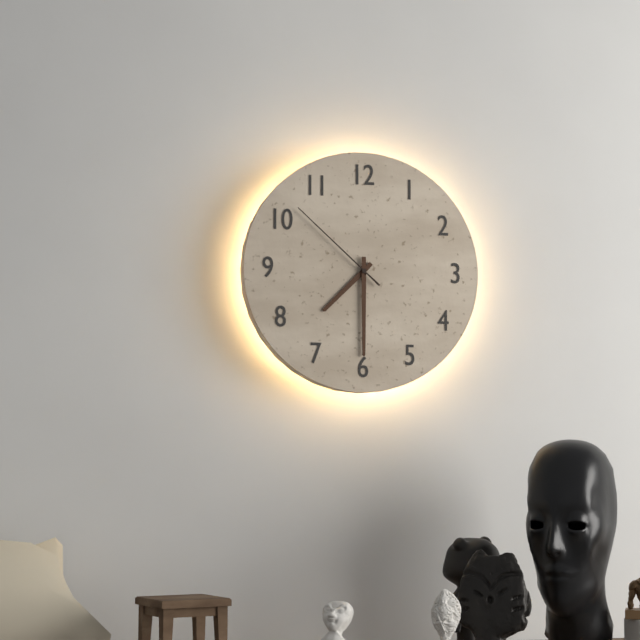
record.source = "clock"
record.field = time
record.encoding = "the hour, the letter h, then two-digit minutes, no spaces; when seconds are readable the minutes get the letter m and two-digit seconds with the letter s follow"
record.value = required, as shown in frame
7h30m52s
